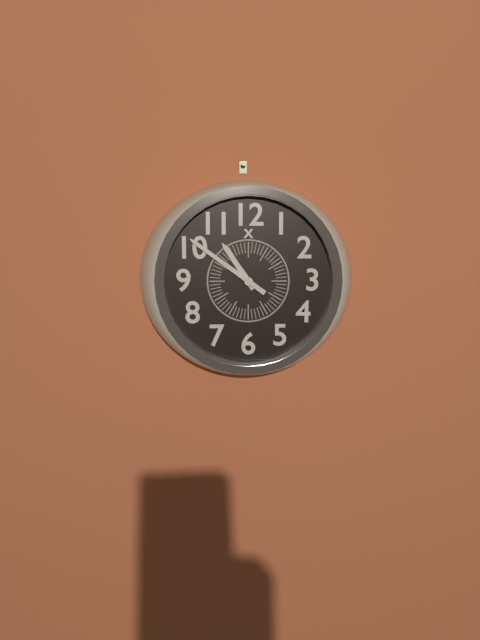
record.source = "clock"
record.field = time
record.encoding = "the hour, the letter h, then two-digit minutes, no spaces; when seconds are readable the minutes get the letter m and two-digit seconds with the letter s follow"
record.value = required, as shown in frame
10h51
